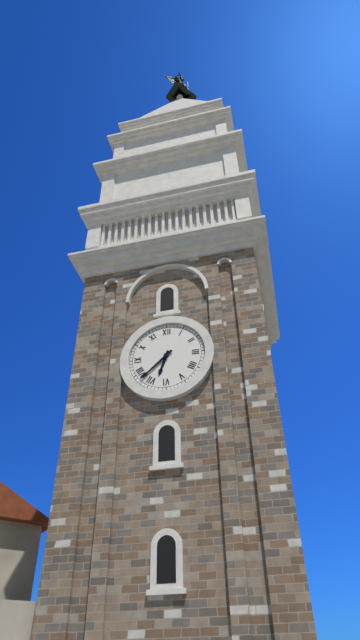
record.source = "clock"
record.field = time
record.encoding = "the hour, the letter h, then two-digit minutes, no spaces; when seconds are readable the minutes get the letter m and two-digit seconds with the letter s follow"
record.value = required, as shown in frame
6h38
